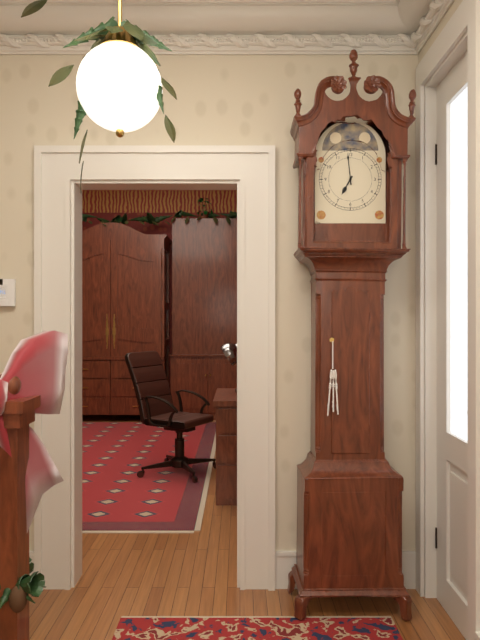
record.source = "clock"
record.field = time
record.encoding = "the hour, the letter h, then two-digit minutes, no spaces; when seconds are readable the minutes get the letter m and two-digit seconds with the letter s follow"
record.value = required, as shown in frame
6h59
